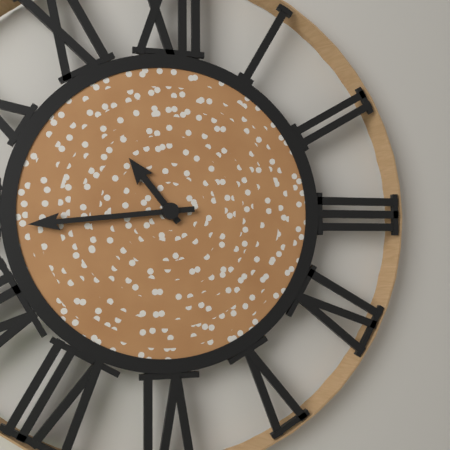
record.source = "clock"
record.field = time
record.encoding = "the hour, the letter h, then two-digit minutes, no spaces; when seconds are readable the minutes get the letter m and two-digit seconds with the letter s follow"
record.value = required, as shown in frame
10h44
